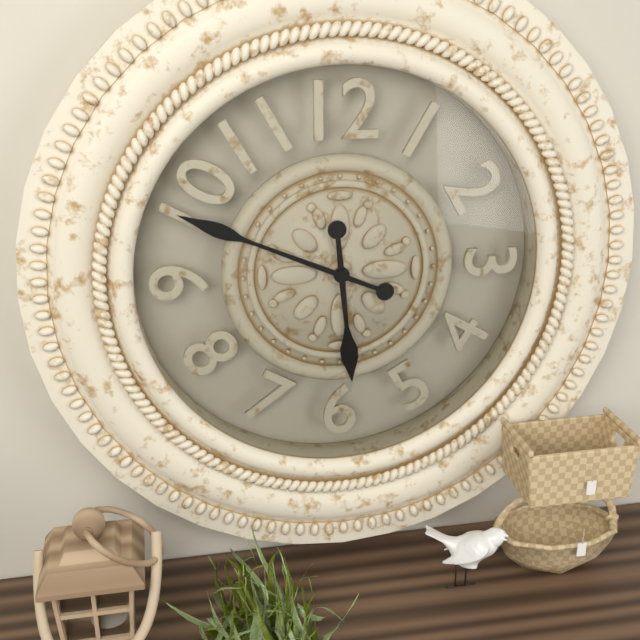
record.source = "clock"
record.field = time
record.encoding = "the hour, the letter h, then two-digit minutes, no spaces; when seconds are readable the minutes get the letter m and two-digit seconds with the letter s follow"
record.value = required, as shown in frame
5h49
